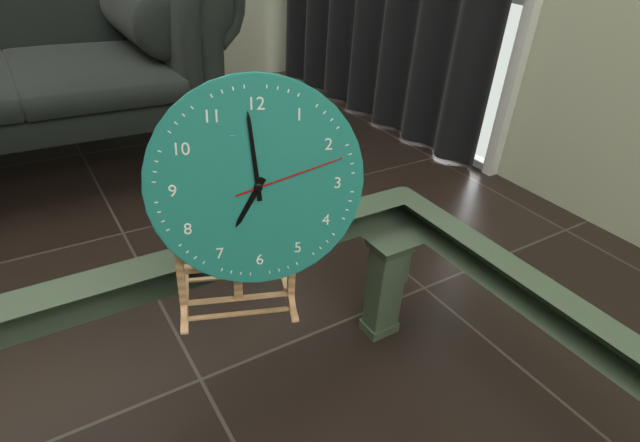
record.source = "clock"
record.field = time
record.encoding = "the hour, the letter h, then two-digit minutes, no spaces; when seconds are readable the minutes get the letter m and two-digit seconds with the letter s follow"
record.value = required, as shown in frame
6h59m12s
